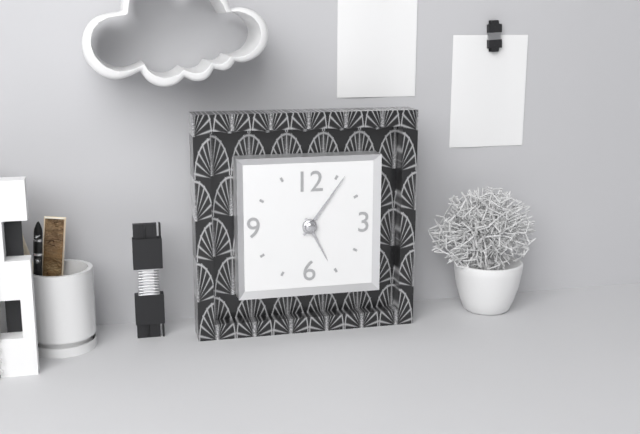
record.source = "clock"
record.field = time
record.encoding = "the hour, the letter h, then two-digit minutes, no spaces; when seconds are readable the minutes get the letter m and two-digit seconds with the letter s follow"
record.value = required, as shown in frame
5h06
